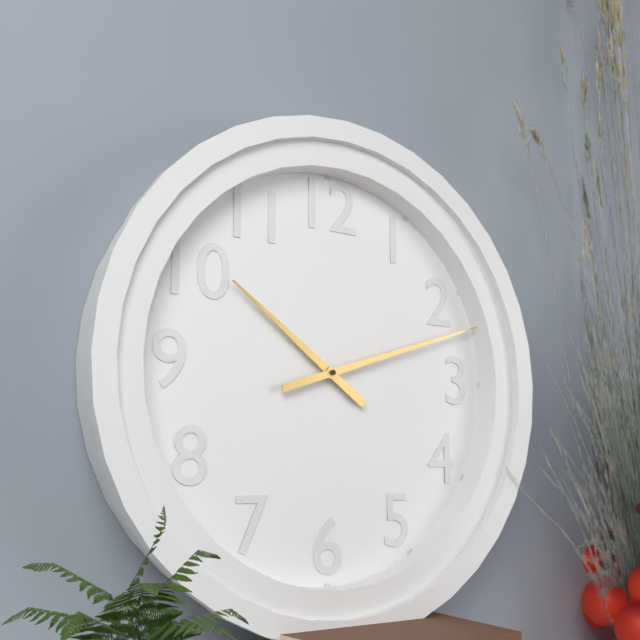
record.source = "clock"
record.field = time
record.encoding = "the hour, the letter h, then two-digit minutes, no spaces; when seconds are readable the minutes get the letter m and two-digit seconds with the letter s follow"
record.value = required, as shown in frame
10h12
